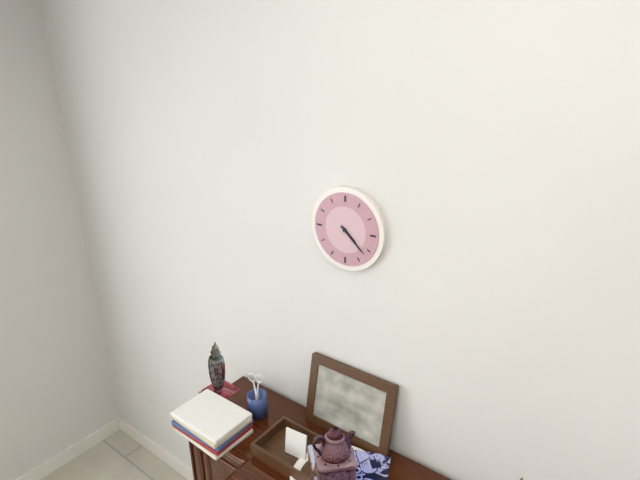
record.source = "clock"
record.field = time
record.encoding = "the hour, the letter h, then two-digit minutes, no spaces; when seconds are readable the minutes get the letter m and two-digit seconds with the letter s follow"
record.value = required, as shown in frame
4h22
